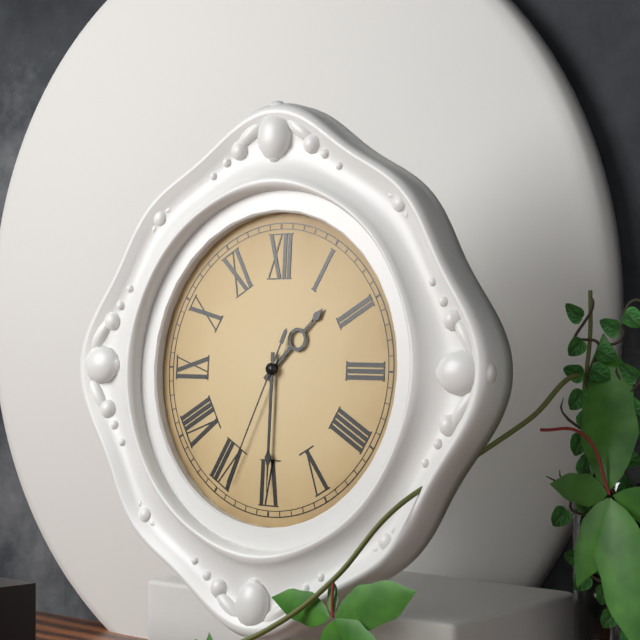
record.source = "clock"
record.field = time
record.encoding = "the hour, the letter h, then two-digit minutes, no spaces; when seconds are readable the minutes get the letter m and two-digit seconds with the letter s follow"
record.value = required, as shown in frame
1h30m34s
